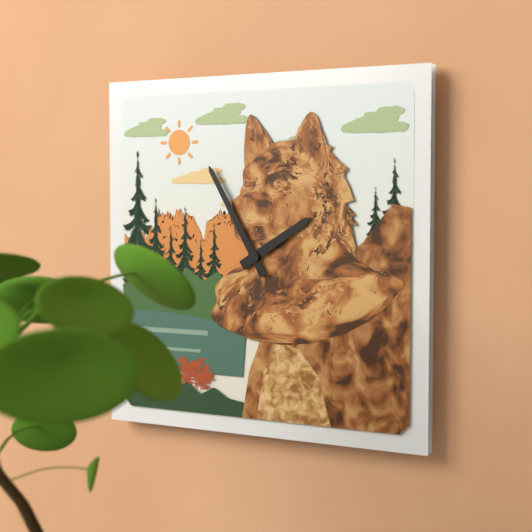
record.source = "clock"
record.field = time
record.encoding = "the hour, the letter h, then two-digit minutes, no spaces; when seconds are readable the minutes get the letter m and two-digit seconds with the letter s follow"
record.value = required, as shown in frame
1h55
